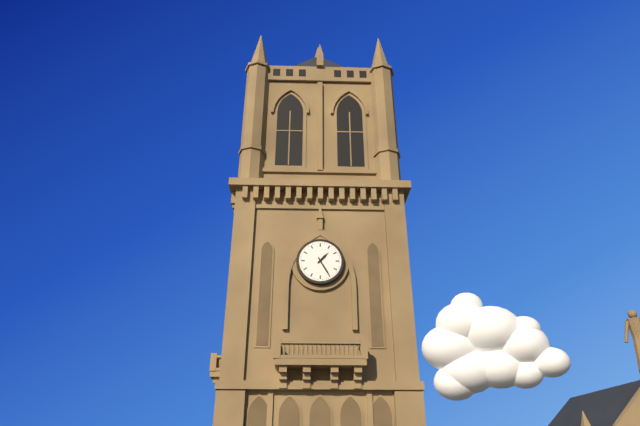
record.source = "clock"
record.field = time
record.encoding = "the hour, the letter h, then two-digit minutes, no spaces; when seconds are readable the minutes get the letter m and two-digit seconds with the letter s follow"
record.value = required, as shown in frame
1h25
